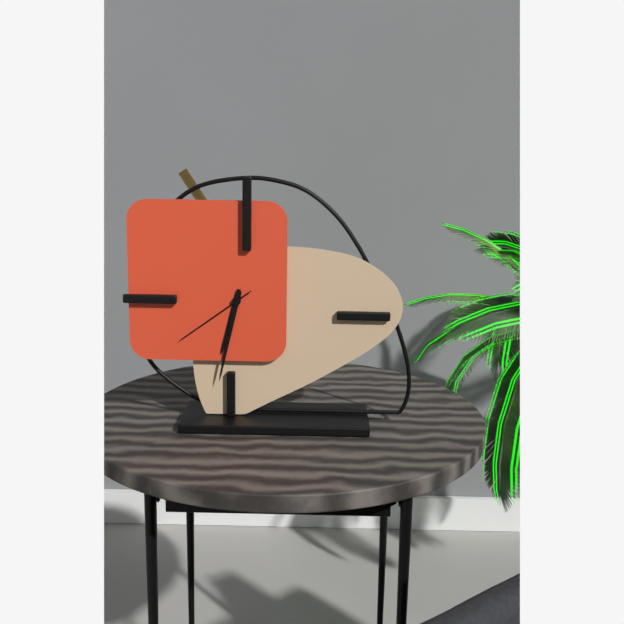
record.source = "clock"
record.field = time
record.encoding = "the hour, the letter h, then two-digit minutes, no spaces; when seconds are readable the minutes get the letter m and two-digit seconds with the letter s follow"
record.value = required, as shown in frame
6h32m39s
